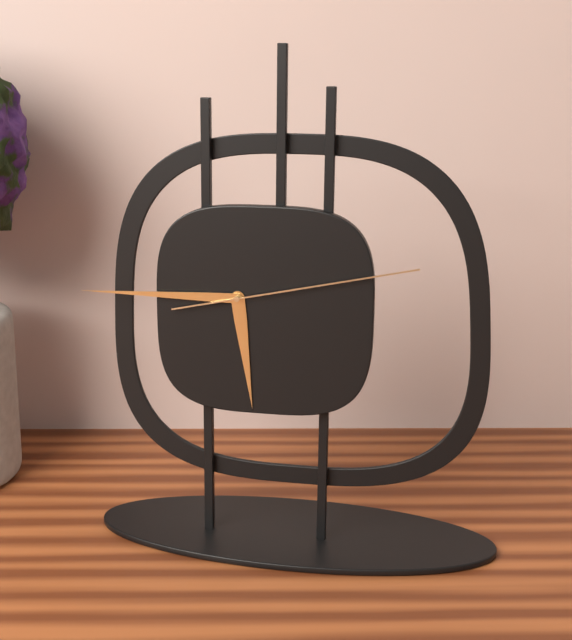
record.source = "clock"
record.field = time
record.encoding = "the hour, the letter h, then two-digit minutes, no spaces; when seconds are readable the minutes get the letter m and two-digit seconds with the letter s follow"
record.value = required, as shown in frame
5h45m13s
